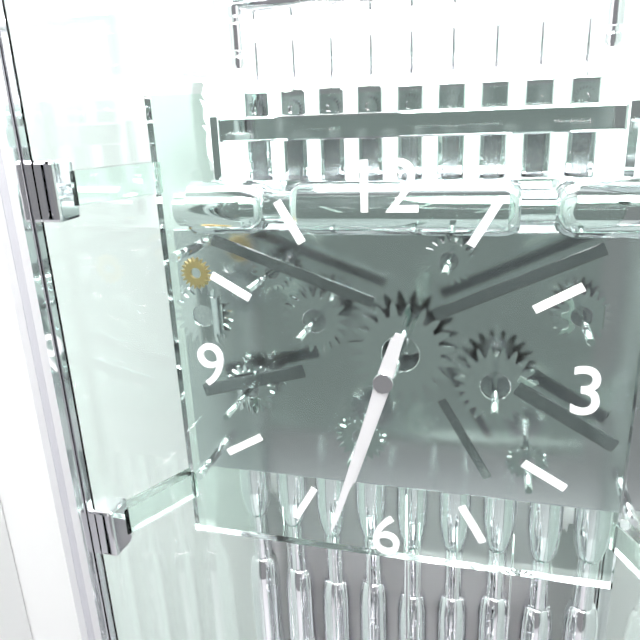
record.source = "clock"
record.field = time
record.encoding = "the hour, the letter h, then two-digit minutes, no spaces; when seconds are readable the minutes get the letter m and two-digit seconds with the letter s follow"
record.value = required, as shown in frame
6h33
